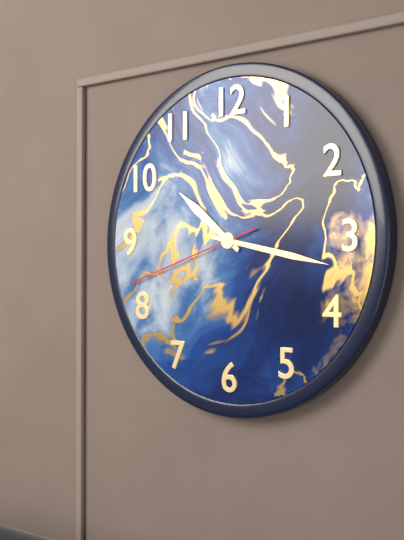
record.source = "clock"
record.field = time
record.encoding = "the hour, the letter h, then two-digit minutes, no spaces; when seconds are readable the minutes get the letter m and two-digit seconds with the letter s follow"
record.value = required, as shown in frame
10h17m42s
